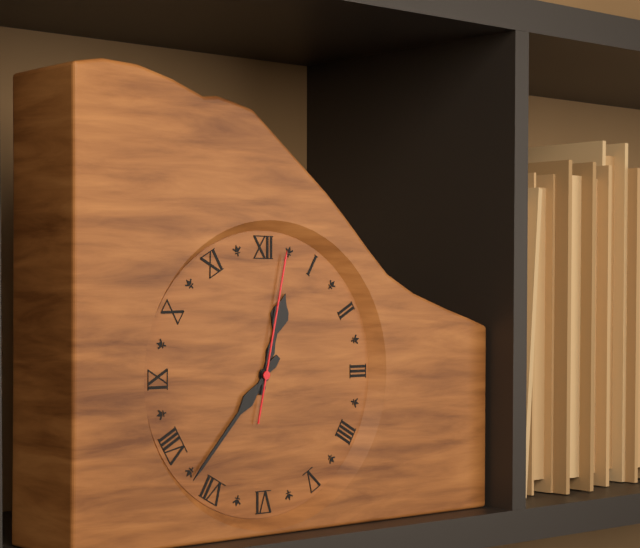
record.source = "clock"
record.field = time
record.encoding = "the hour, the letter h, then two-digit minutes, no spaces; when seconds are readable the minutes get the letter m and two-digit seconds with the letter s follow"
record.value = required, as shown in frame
12h37m02s
